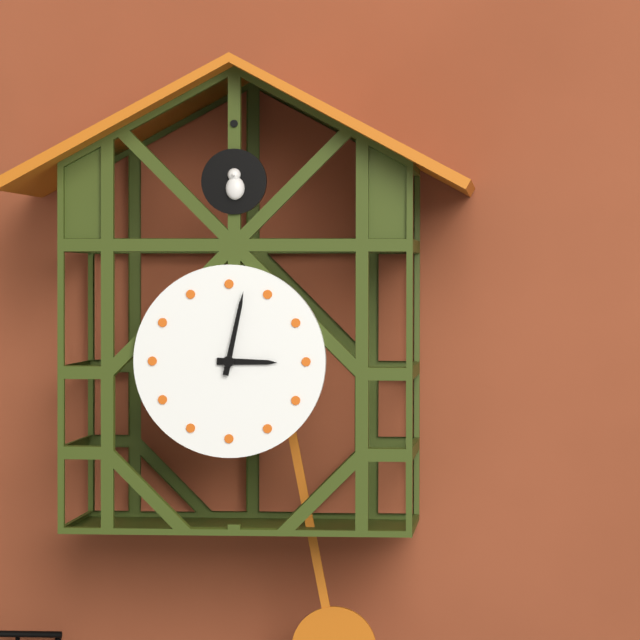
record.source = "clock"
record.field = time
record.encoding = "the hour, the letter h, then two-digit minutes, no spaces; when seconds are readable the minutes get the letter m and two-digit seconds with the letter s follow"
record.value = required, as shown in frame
3h02
